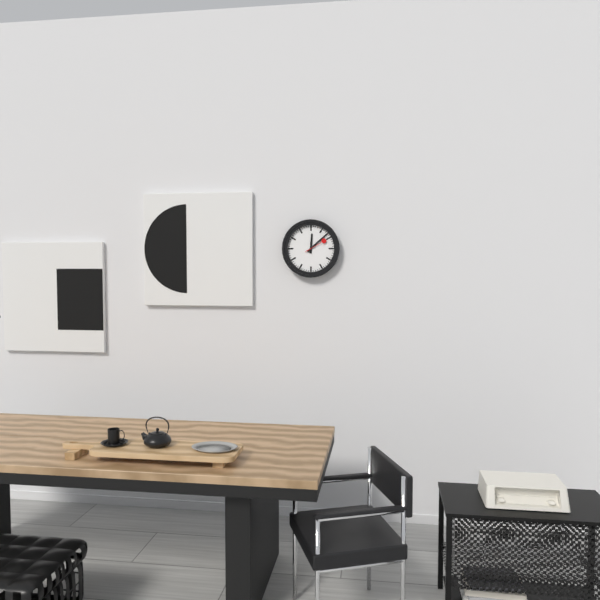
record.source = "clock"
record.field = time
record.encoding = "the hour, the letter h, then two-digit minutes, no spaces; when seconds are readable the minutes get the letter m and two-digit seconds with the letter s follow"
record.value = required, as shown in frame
12h08
